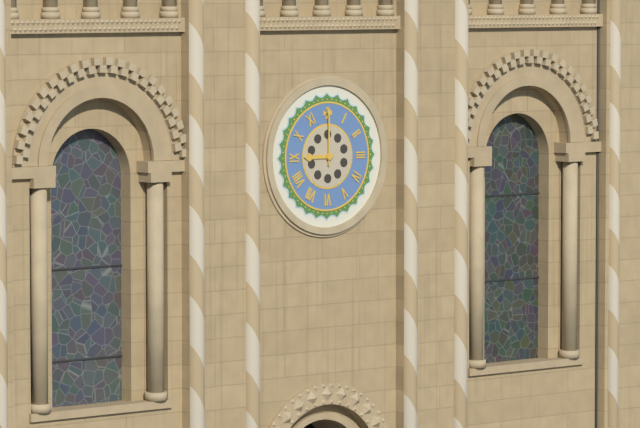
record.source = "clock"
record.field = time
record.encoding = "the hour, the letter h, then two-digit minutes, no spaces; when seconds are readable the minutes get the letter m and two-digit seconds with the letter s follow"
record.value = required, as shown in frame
9h00
